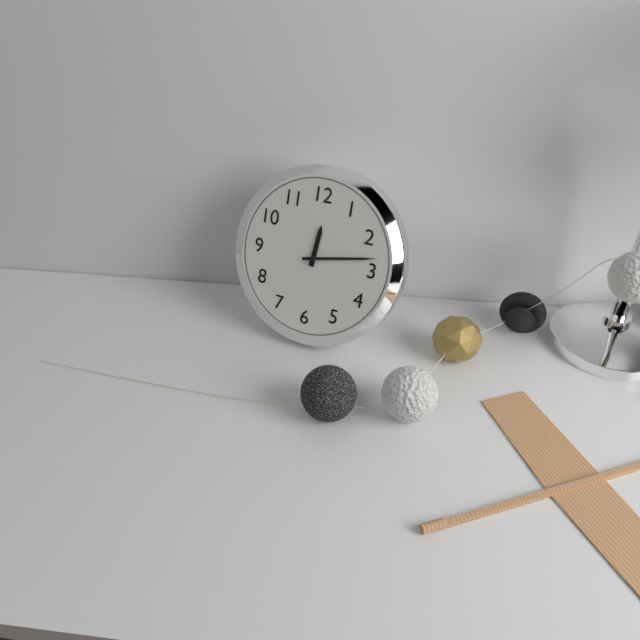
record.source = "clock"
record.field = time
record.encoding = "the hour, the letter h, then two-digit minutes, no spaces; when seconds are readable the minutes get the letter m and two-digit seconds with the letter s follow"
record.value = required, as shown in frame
12h13
